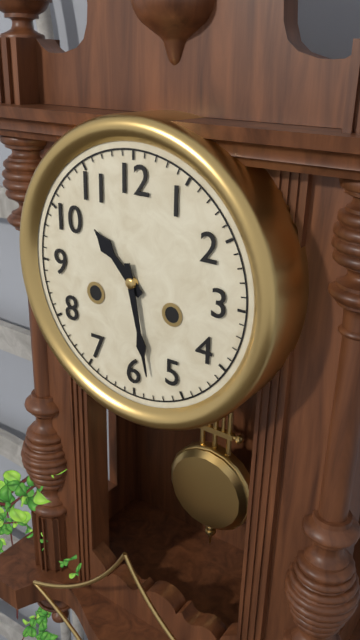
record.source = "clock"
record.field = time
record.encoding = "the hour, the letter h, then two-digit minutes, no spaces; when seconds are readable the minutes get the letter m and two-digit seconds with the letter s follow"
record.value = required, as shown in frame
10h28
